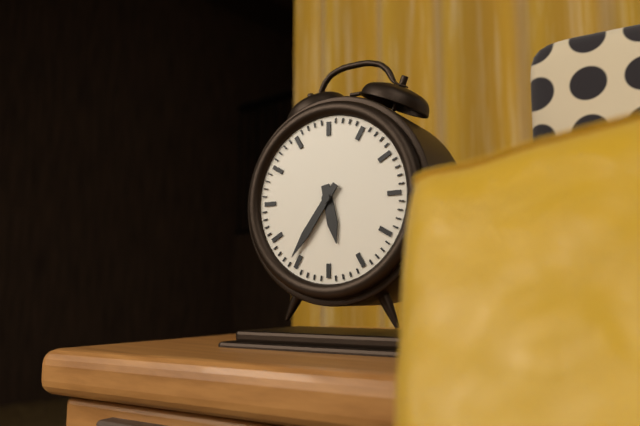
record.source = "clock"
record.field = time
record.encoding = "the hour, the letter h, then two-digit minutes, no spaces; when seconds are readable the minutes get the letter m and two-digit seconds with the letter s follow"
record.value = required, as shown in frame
5h36
